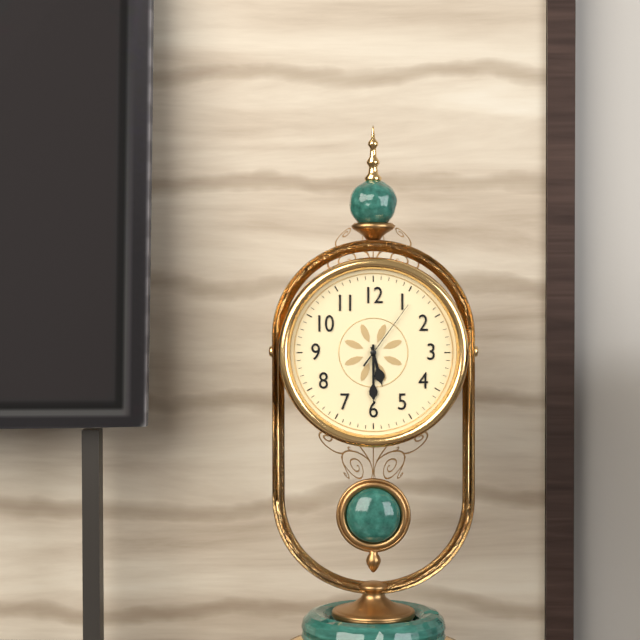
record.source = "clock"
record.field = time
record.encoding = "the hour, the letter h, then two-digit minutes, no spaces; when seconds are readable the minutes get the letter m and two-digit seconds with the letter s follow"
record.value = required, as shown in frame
5h30m06s
